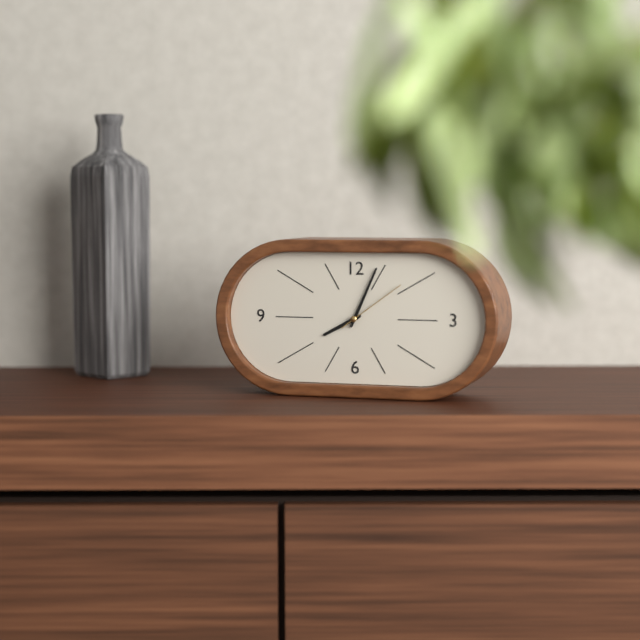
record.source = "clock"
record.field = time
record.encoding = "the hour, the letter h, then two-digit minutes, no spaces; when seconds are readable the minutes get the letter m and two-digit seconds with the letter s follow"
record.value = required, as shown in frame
8h04m09s
